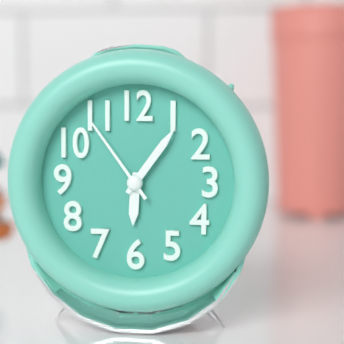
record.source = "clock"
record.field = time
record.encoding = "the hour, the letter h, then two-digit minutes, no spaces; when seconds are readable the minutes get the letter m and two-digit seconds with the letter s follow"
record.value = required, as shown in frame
6h06m54s
